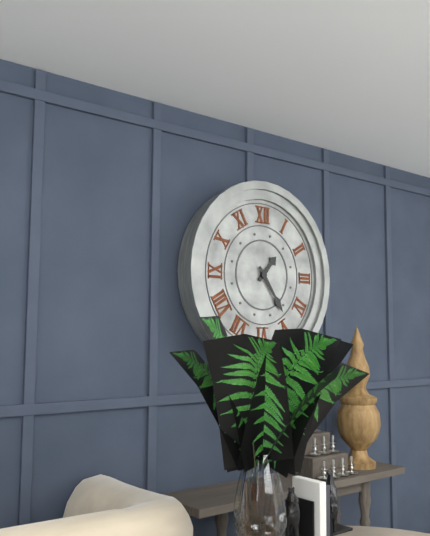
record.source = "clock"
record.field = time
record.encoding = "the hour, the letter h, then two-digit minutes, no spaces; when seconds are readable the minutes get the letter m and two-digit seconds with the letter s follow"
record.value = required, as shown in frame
1h24
